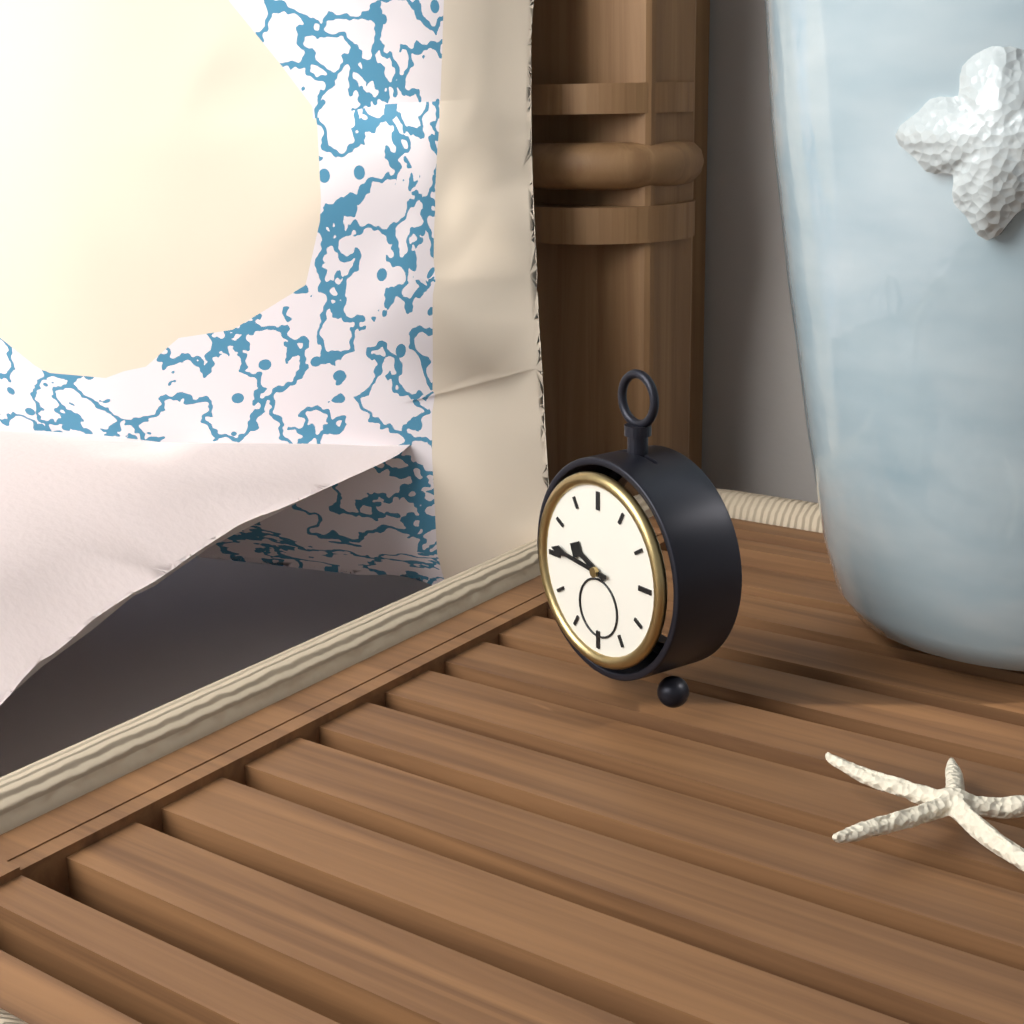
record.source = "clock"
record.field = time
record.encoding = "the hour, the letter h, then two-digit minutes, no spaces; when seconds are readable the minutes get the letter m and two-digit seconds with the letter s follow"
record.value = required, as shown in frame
9h46
